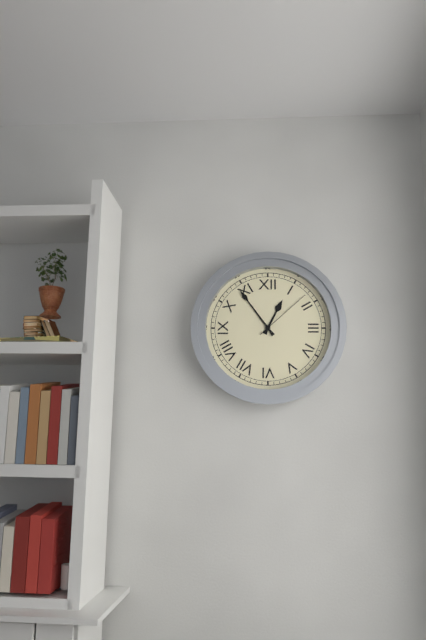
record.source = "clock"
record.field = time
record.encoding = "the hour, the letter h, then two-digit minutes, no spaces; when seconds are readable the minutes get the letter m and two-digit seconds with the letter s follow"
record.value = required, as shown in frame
12h54m08s
